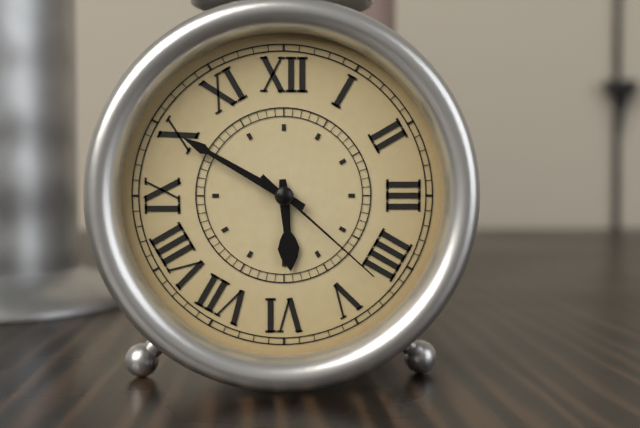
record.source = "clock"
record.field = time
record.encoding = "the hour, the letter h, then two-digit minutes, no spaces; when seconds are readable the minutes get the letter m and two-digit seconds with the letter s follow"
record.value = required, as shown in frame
5h50m22s
